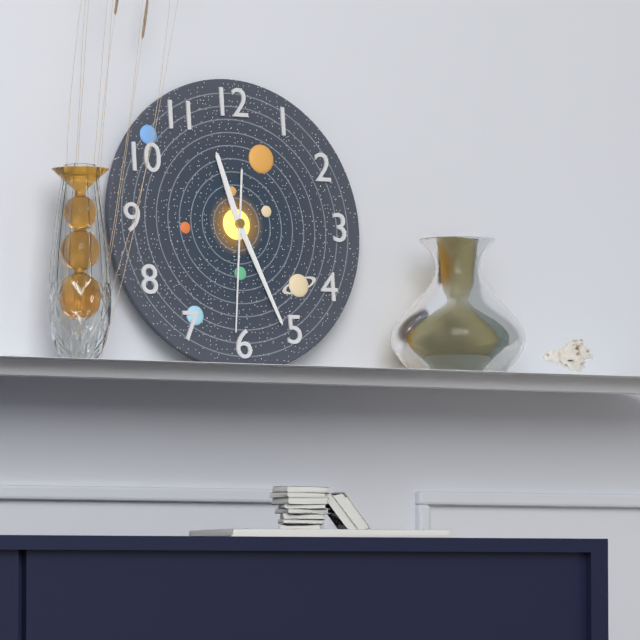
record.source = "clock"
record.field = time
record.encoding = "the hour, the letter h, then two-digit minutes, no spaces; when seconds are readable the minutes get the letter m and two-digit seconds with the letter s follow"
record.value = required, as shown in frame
11h26m31s
